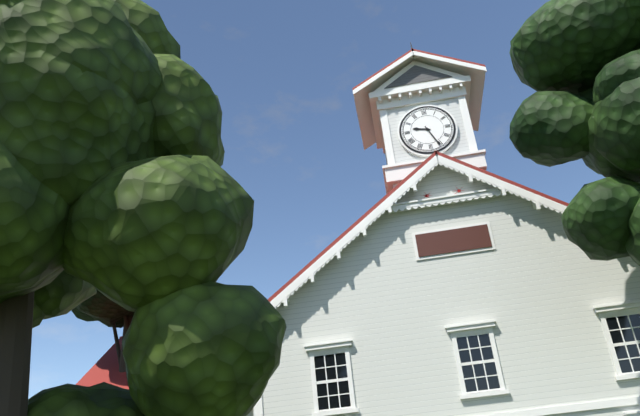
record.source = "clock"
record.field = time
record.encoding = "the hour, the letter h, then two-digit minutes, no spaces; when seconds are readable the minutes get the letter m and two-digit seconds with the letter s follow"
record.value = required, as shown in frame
9h26
